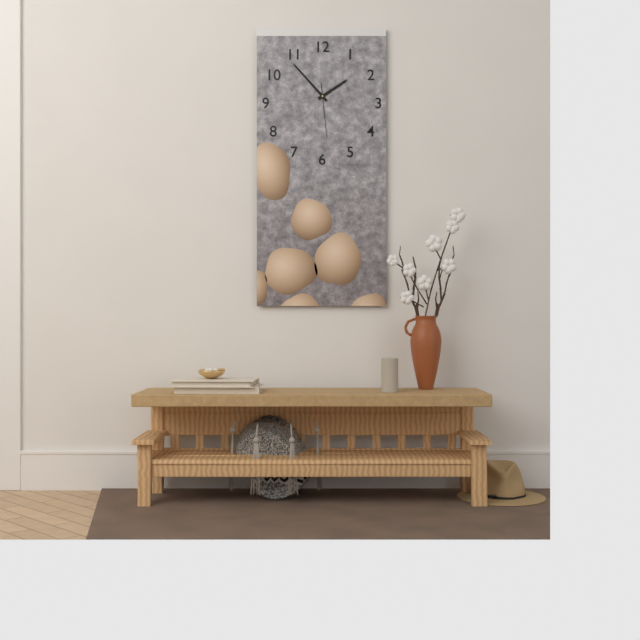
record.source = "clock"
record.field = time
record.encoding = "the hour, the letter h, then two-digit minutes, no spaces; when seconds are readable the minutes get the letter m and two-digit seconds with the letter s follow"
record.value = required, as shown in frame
1h53m29s
